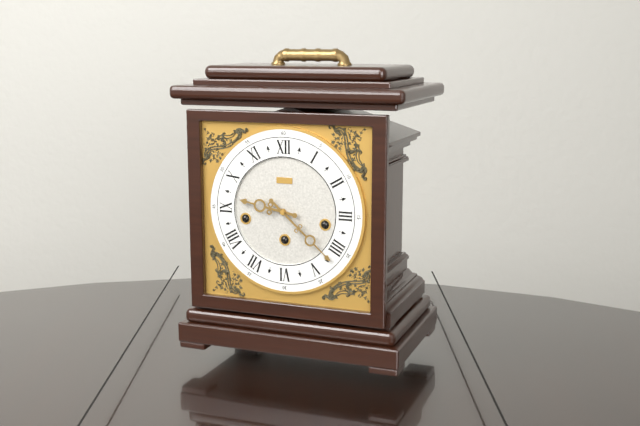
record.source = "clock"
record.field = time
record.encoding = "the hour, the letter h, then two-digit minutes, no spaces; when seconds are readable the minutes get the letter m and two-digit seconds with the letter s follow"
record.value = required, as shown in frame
9h22
